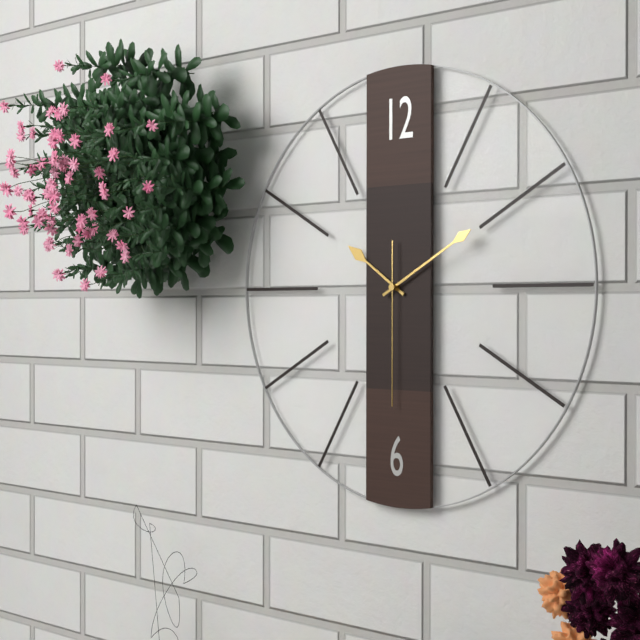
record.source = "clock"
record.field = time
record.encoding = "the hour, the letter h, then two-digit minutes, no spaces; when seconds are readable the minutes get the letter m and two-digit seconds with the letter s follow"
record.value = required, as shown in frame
10h10m30s
